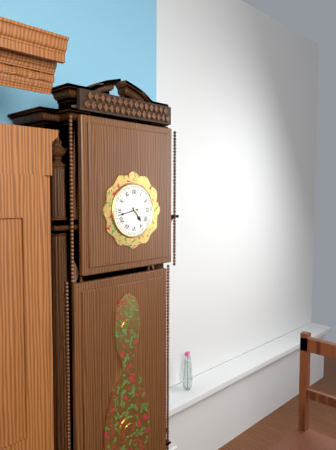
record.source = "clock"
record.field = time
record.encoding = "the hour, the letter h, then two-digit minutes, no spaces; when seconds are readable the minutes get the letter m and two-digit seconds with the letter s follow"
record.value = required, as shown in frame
4h43
